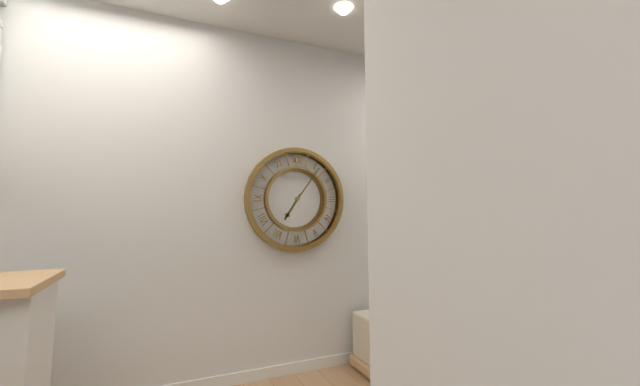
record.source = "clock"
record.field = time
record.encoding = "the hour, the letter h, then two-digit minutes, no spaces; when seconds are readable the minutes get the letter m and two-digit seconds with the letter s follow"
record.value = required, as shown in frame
7h06
